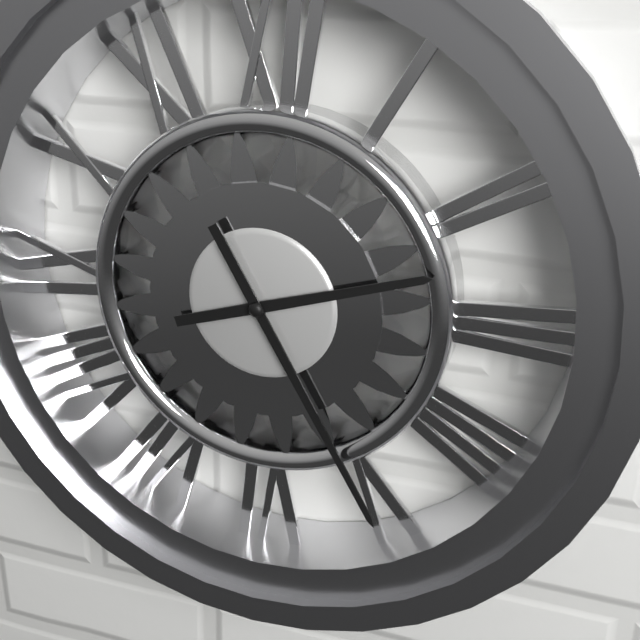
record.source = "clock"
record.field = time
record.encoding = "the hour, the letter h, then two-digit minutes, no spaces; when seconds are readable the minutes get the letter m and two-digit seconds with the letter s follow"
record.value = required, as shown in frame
2h25
